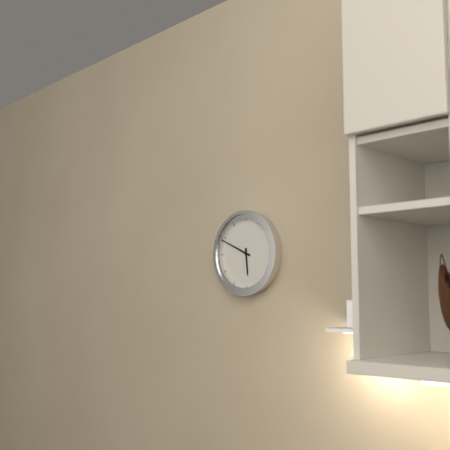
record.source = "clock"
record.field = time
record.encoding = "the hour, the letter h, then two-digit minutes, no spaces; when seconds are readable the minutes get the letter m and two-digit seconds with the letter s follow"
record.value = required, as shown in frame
5h49
